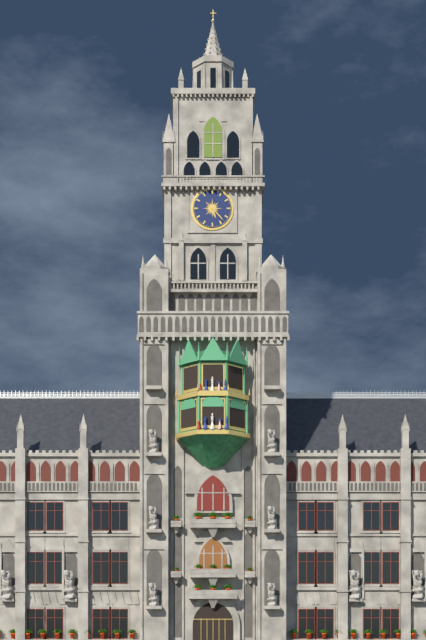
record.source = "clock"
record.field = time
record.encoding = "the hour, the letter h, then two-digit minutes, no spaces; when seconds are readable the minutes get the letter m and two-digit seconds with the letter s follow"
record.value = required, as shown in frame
5h23
